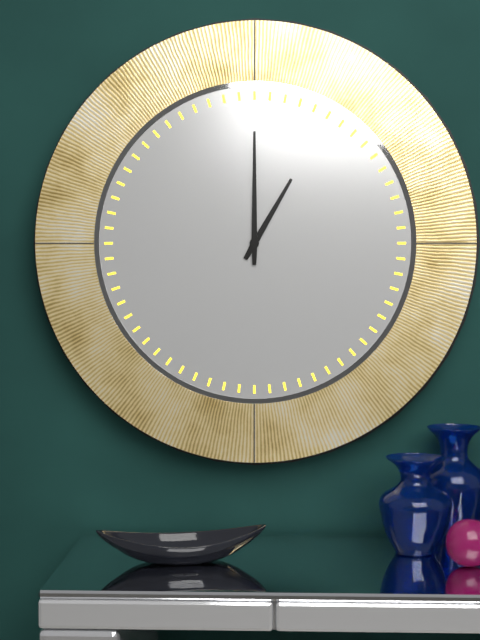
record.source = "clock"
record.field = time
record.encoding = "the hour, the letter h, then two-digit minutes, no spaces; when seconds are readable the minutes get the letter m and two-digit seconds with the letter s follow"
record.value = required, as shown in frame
1h00
